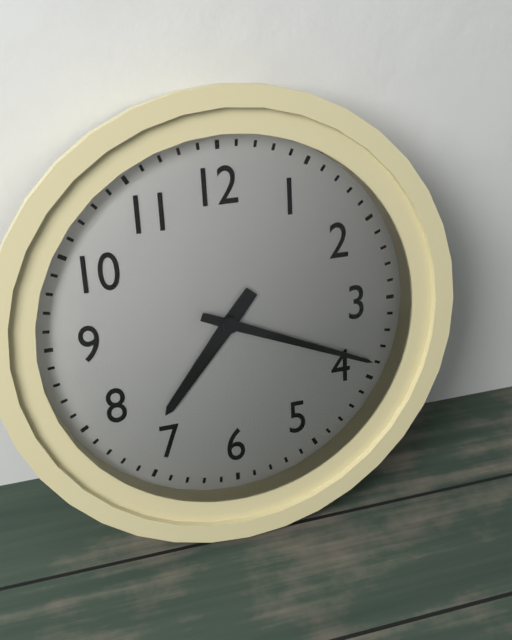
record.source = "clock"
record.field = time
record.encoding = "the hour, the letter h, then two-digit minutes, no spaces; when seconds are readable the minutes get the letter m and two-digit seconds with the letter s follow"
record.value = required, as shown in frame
7h19
